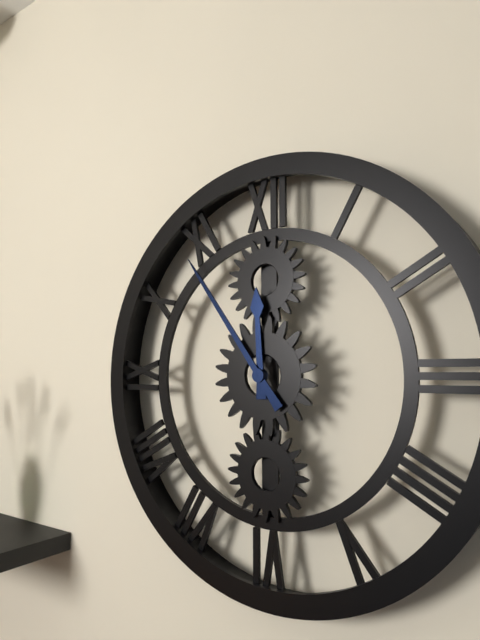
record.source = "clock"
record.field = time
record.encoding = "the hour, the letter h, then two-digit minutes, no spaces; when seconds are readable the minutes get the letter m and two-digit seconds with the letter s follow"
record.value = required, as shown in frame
11h54
